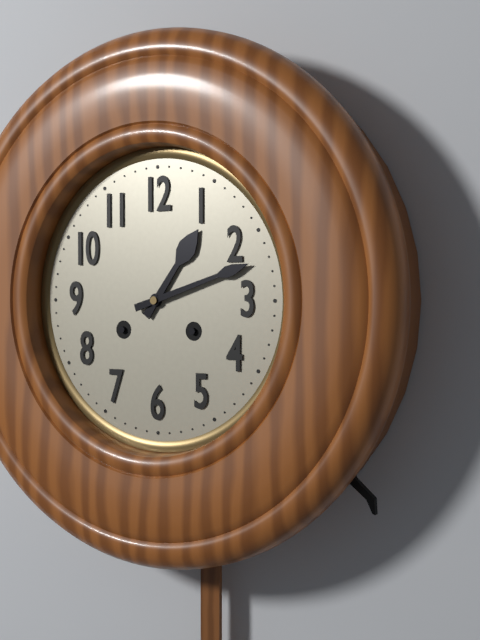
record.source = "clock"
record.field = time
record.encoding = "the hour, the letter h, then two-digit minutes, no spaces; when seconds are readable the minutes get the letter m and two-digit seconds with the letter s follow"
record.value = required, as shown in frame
1h12
